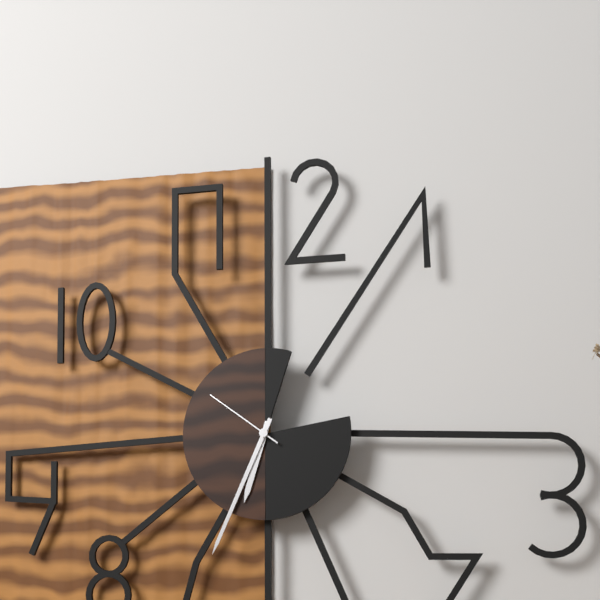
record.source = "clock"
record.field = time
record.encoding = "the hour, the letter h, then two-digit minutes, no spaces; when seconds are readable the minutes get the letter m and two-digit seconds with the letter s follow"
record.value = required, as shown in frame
6h34m51s
